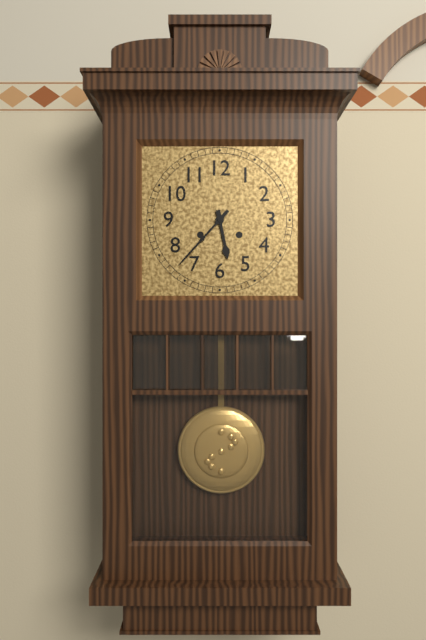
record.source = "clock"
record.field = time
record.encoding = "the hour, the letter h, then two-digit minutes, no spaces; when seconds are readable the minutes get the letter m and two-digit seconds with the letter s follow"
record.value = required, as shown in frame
5h37
